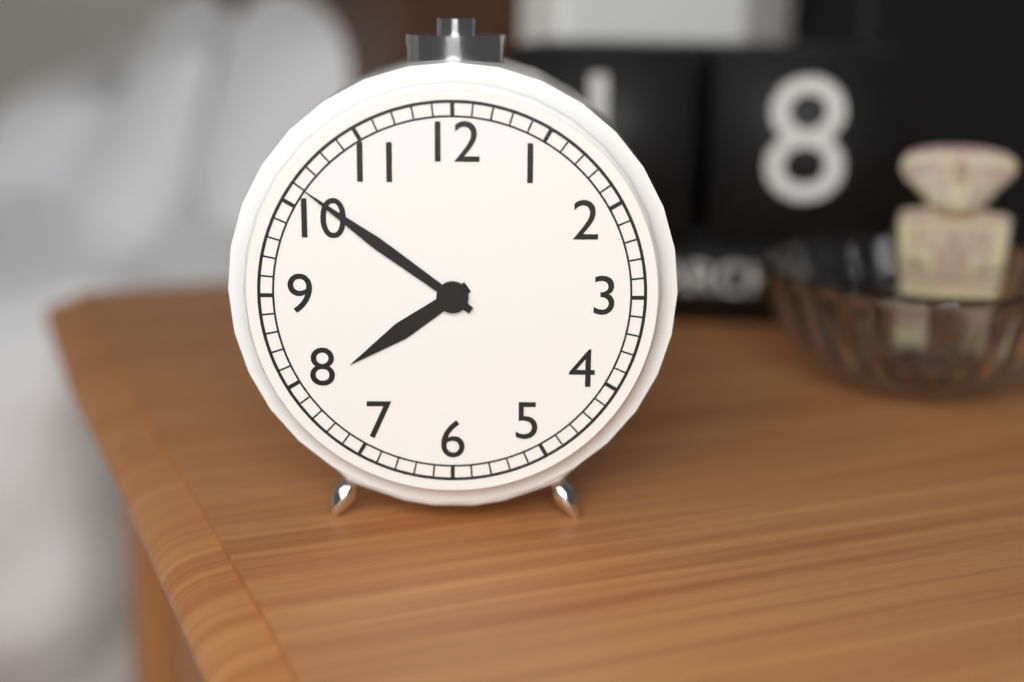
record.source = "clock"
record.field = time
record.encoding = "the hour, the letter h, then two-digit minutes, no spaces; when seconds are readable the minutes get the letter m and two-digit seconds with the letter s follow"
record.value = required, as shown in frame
7h51
